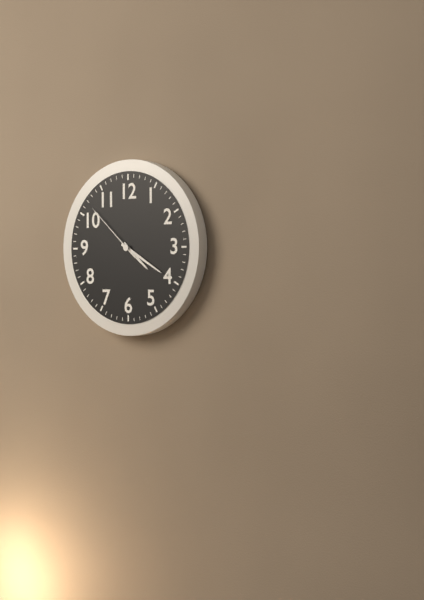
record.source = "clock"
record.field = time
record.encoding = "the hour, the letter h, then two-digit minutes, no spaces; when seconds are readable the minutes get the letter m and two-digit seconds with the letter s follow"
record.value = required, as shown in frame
4h20m52s
